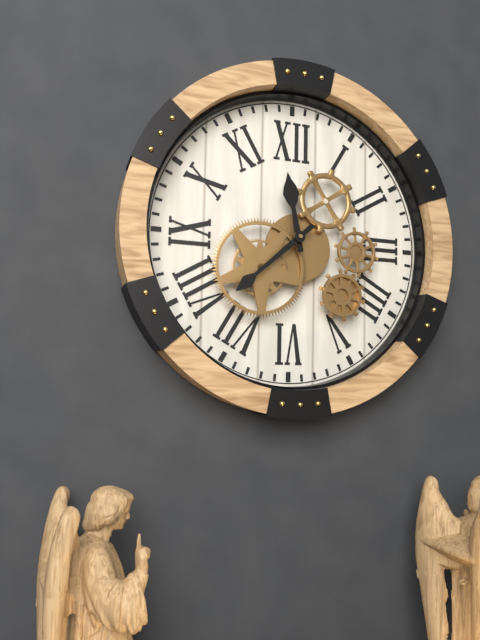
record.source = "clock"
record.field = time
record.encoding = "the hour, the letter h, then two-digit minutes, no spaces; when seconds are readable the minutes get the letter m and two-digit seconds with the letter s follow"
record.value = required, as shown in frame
11h38
